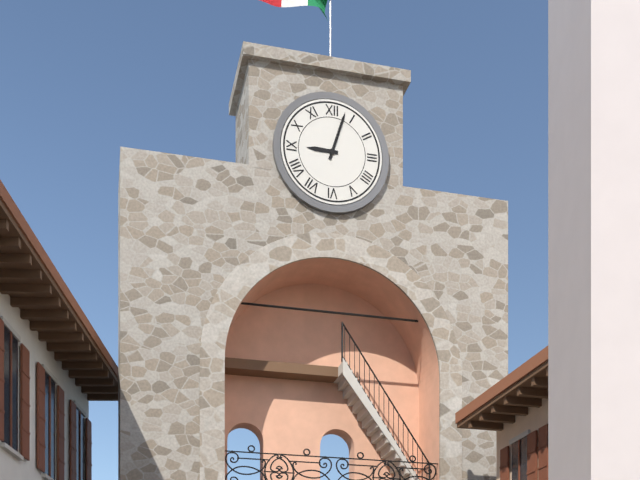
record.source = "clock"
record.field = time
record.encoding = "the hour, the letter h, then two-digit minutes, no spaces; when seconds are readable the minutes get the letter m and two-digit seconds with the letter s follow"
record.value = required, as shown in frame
9h03
